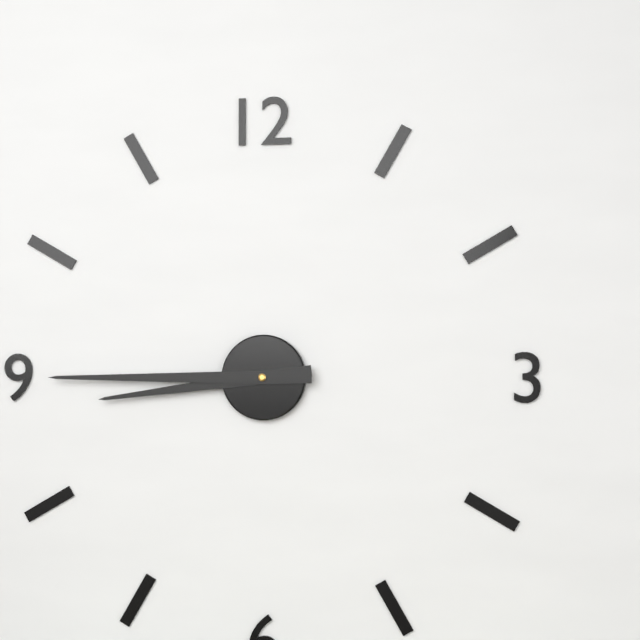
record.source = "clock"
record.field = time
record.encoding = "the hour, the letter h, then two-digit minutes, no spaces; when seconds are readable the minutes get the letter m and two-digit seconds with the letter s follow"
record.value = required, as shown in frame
8h45
